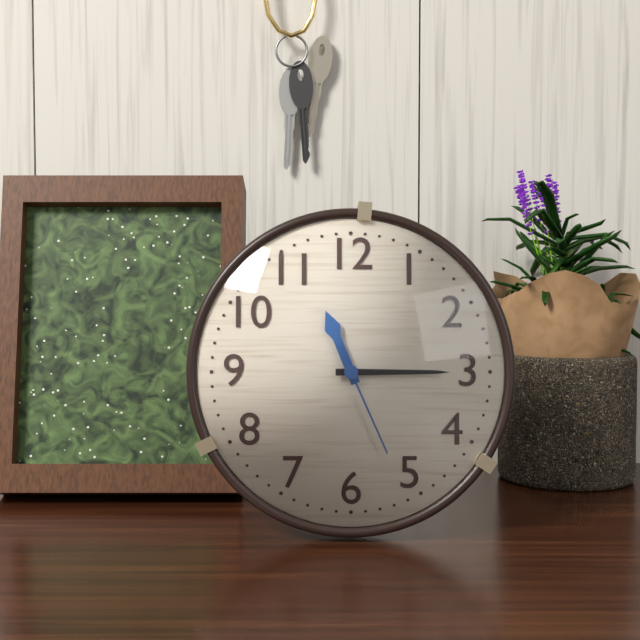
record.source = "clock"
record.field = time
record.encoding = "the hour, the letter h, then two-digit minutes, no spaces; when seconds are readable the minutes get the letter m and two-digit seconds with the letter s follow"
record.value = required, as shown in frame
11h15m26s
